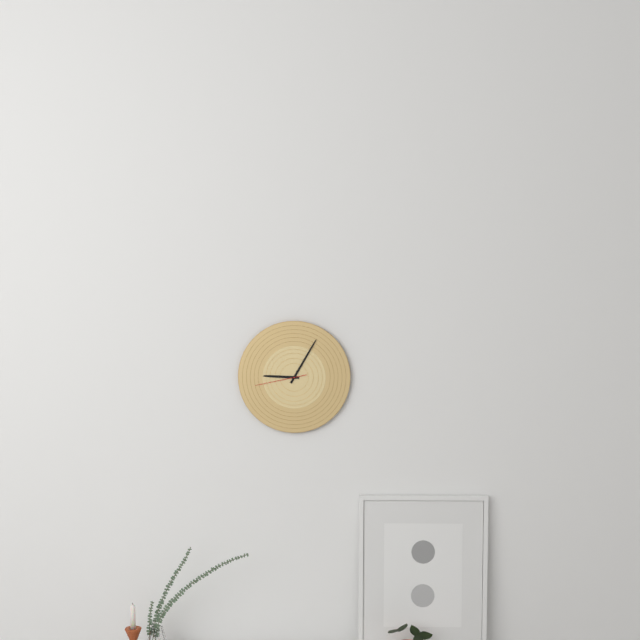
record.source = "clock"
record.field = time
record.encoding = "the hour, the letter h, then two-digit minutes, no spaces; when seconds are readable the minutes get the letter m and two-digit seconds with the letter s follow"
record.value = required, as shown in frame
9h05m43s
